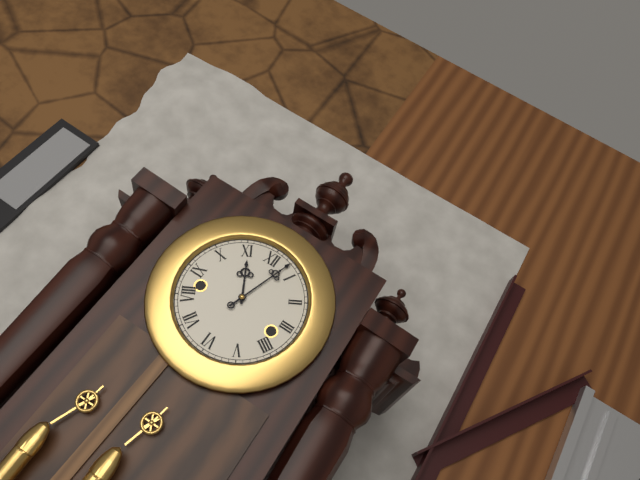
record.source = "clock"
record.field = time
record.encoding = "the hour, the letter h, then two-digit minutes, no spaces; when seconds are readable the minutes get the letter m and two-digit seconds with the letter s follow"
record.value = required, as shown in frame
11h03
